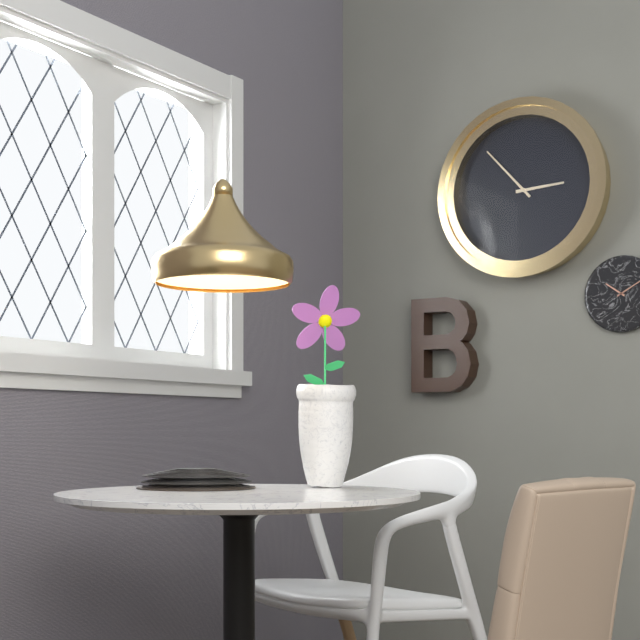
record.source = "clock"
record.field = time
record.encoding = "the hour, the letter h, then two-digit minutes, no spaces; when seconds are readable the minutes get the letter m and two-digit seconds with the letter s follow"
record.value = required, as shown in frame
2h53
